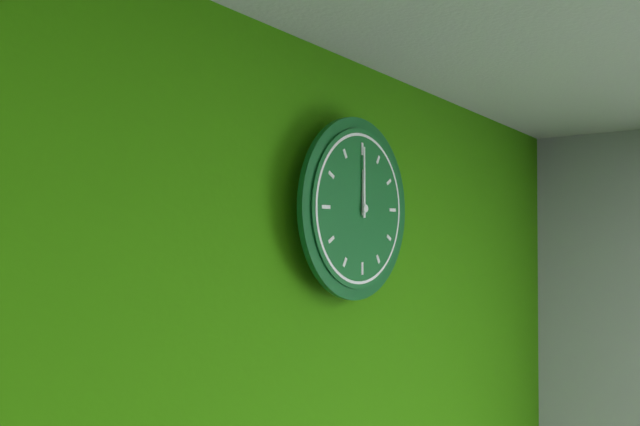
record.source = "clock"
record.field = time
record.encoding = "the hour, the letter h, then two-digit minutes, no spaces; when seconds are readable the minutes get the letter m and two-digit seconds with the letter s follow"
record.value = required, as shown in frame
12h00
